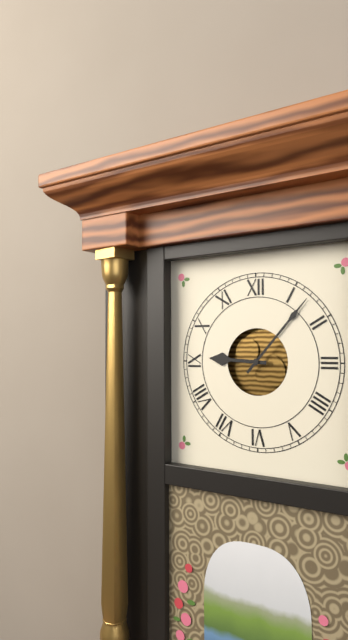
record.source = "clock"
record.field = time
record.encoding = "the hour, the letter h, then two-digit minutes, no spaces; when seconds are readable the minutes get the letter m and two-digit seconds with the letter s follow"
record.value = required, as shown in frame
9h07
